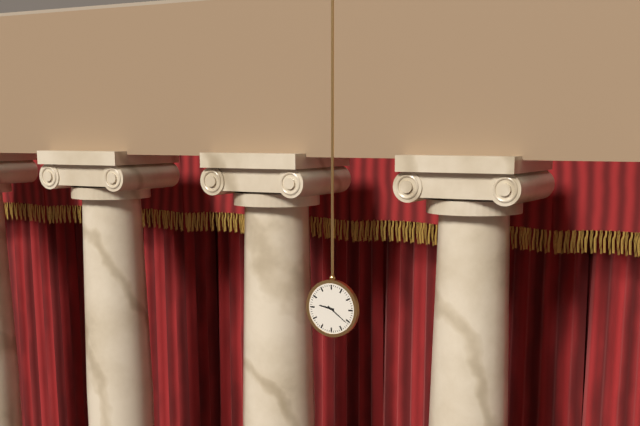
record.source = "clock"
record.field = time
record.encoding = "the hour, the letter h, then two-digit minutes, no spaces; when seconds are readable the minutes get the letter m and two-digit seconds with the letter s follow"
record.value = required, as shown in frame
9h21
